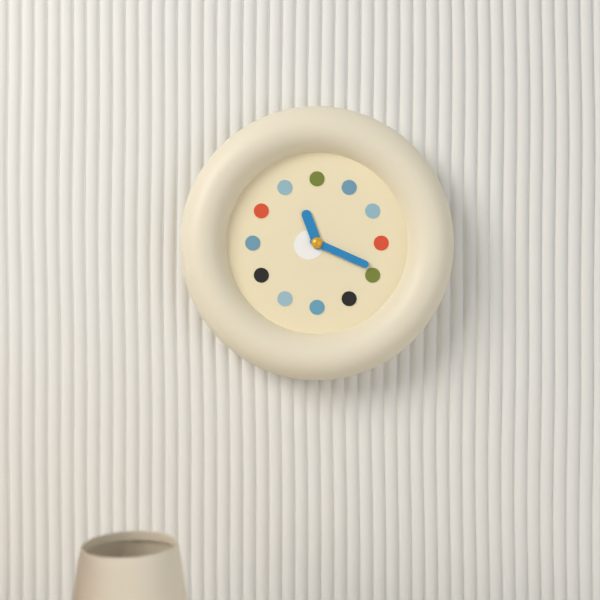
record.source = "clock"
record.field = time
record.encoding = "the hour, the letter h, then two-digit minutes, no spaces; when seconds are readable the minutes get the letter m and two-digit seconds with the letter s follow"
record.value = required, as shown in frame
11h19
